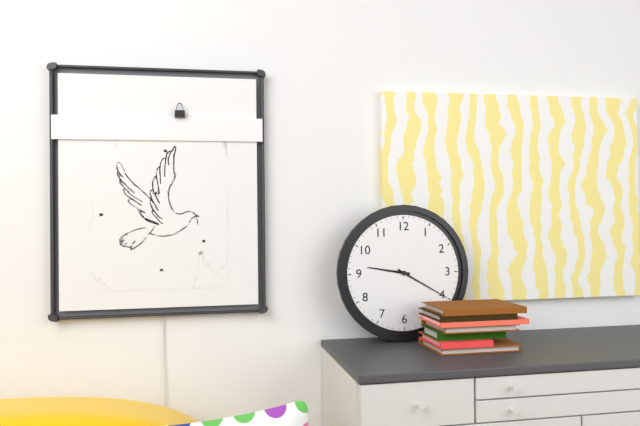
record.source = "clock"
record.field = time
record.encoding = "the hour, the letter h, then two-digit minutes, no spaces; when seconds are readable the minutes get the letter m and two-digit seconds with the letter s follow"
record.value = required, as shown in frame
9h20
